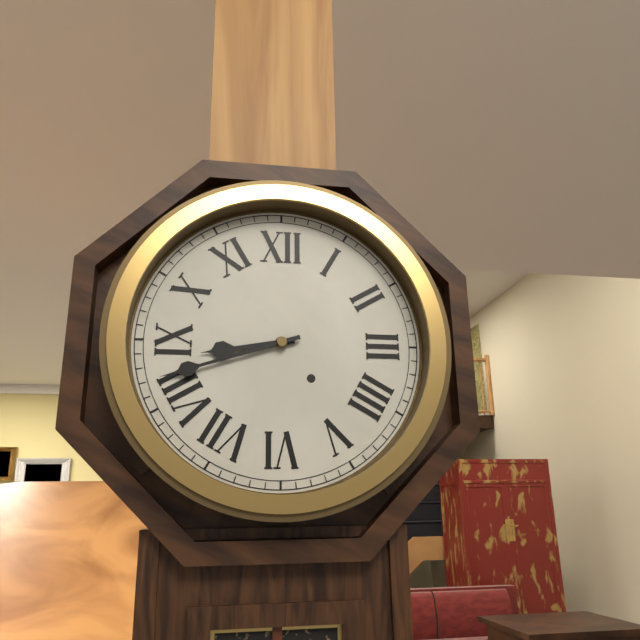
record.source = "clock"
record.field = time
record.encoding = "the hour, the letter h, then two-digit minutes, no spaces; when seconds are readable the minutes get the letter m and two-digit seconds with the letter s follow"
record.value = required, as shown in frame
8h42
